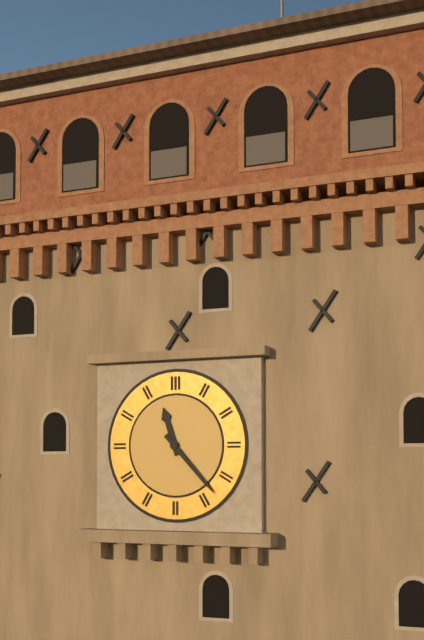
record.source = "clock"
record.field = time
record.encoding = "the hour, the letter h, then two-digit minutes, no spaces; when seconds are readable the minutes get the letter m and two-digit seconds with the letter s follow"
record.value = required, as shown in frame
11h23
